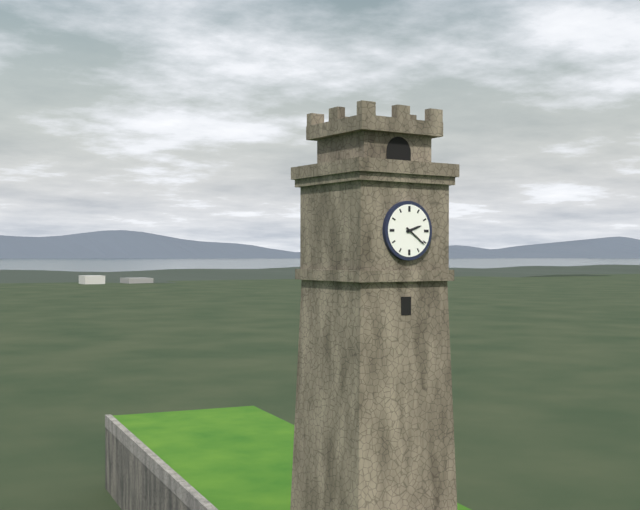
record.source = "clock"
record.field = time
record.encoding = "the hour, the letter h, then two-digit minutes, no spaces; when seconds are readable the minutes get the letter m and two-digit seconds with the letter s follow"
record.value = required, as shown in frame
2h21
